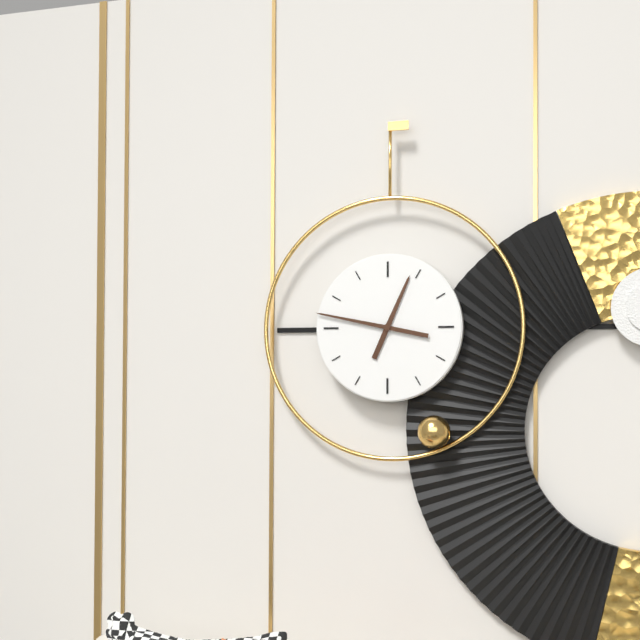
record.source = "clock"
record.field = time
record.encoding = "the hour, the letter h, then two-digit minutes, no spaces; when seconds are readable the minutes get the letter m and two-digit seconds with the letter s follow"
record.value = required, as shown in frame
12h47
